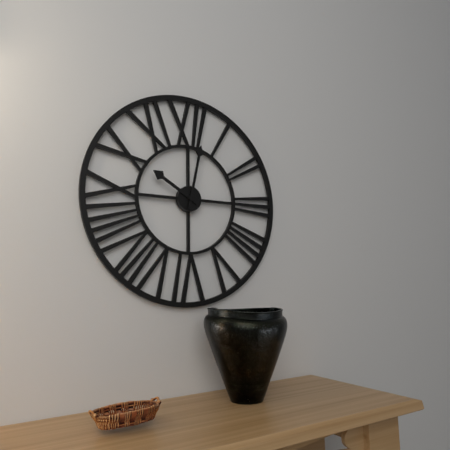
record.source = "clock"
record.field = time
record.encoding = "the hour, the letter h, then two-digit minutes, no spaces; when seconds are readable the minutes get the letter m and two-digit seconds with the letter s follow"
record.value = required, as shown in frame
10h02
